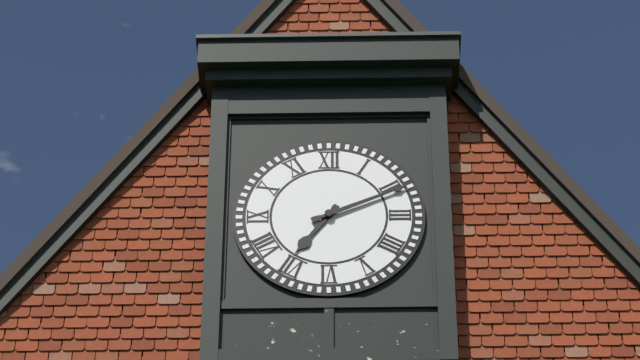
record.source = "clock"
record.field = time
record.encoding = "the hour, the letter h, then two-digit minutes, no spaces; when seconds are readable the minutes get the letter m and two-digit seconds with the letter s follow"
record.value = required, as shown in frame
7h11
